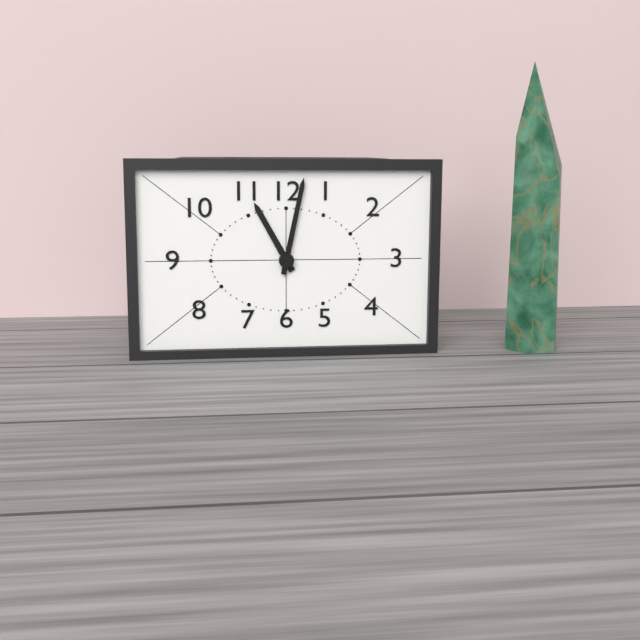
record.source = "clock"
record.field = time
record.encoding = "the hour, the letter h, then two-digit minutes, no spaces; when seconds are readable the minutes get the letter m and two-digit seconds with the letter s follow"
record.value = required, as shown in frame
11h02
